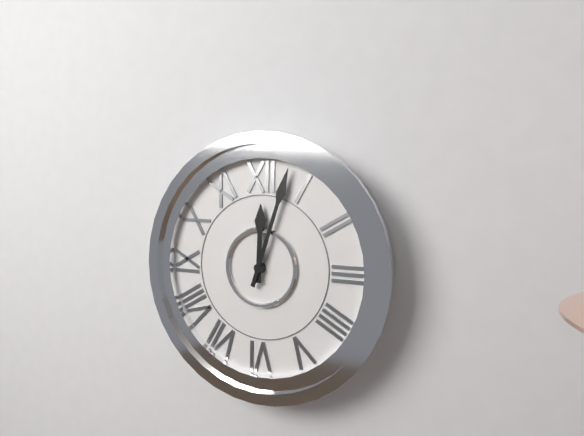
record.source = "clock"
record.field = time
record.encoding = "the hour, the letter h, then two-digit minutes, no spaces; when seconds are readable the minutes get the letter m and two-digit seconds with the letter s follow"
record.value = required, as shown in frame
12h03
